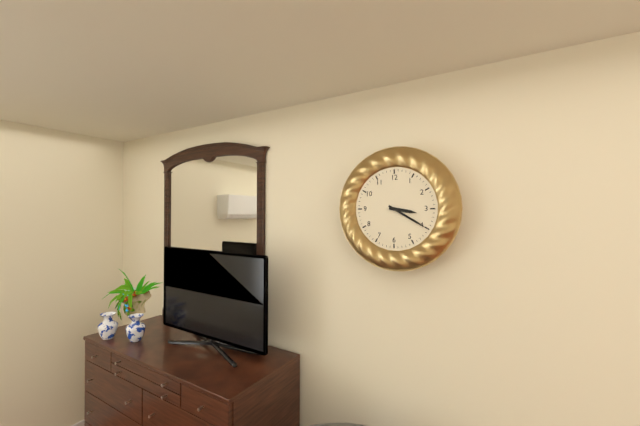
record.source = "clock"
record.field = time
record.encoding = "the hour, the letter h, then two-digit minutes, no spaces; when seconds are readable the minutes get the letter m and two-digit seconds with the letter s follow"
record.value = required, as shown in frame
3h20
